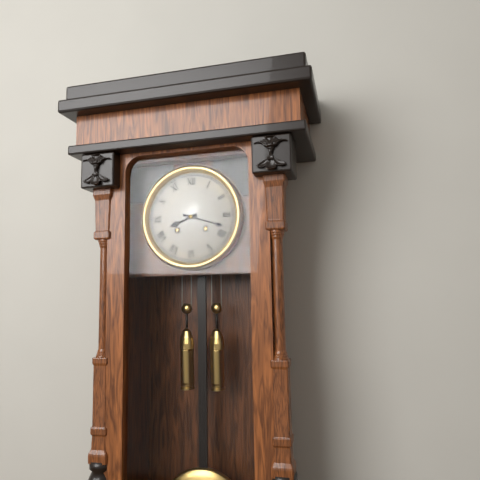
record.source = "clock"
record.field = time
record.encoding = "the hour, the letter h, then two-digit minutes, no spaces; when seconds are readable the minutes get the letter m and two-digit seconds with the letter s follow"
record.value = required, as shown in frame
8h18
